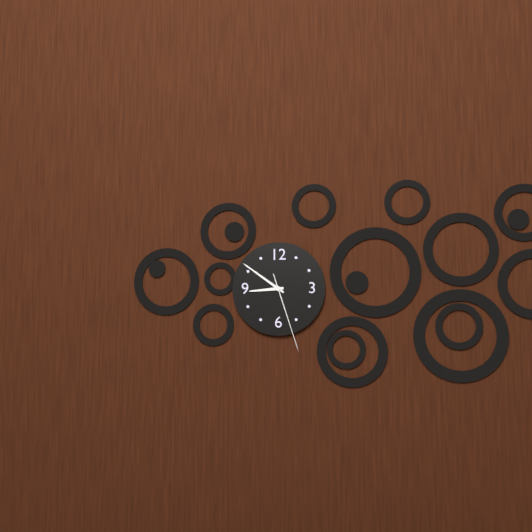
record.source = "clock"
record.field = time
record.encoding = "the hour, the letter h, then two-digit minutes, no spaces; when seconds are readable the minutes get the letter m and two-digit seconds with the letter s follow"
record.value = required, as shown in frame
8h51m27s
